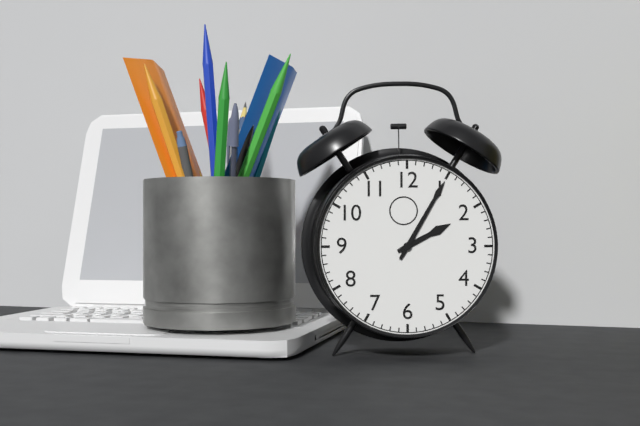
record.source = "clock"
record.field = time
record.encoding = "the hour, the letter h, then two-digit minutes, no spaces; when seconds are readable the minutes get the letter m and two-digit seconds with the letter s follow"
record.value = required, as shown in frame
2h05
